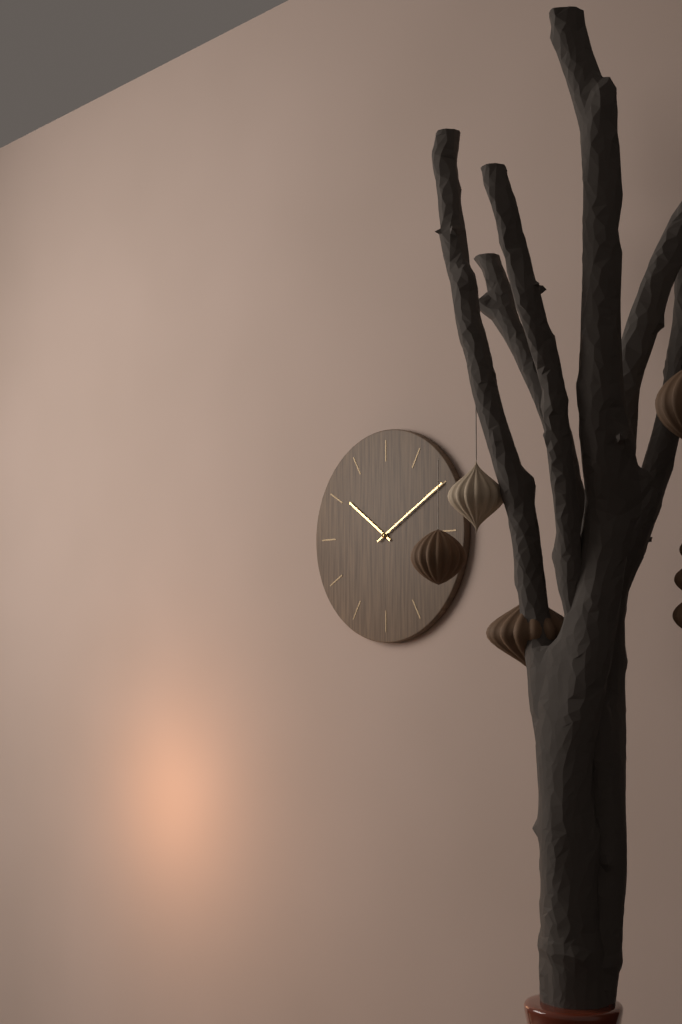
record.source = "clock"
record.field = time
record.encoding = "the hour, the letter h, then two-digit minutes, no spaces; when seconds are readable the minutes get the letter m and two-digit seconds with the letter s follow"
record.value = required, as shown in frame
10h10
